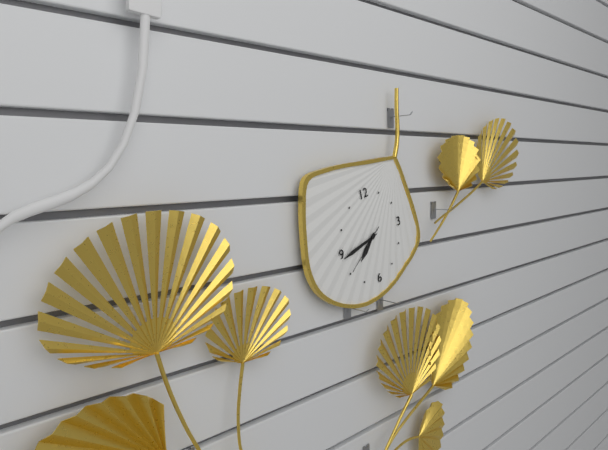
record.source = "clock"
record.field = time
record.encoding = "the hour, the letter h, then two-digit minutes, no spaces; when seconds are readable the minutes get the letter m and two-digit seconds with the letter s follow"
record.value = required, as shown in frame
7h44m40s
